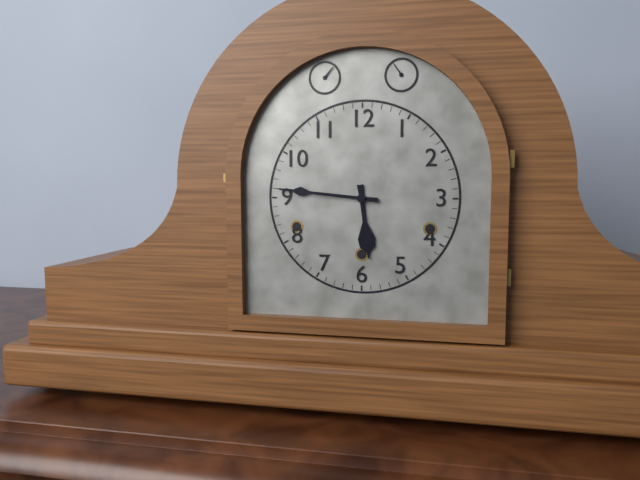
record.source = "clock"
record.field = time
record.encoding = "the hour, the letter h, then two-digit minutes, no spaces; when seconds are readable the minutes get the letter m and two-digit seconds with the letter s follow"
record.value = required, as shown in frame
5h46
